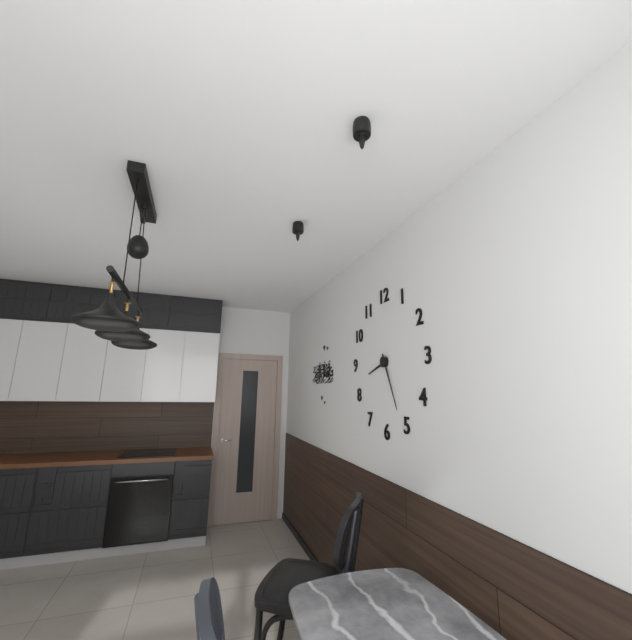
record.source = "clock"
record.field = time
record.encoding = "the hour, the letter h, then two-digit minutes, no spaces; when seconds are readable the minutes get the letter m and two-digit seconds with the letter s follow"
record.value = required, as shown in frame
8h26
